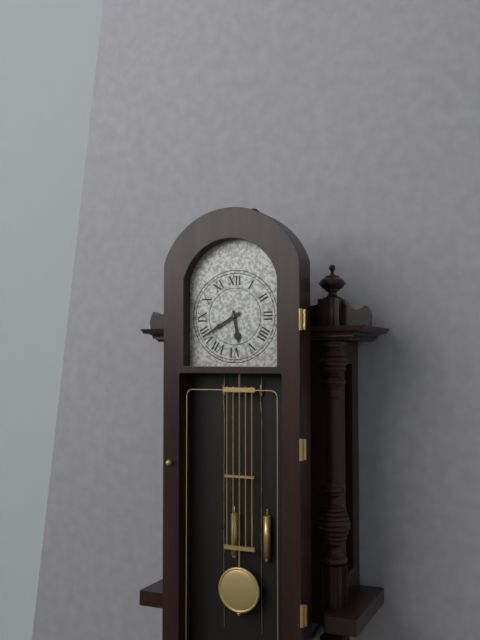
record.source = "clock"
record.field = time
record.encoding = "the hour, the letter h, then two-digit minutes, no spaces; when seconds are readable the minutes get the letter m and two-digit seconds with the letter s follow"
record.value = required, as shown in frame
5h40
